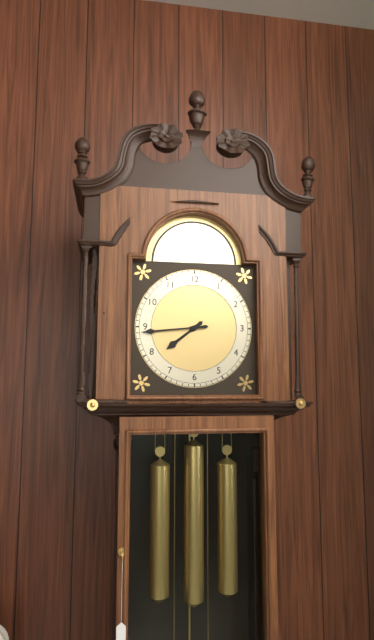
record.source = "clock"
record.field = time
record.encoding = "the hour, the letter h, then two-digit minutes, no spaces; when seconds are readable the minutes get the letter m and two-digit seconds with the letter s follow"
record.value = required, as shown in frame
7h44
